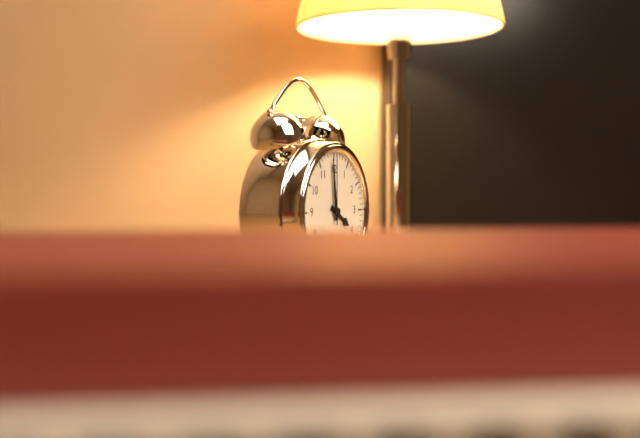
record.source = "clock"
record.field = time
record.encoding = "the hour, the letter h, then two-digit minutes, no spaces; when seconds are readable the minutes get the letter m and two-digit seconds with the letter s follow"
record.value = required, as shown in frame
3h59m00s
